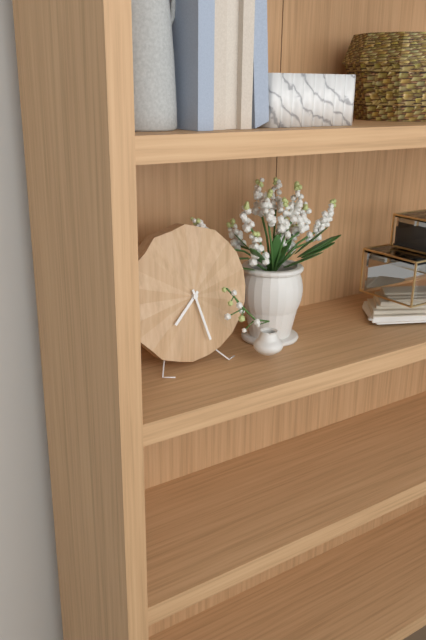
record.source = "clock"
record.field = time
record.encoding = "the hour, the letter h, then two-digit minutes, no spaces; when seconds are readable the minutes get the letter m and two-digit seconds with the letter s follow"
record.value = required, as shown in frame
7h27
